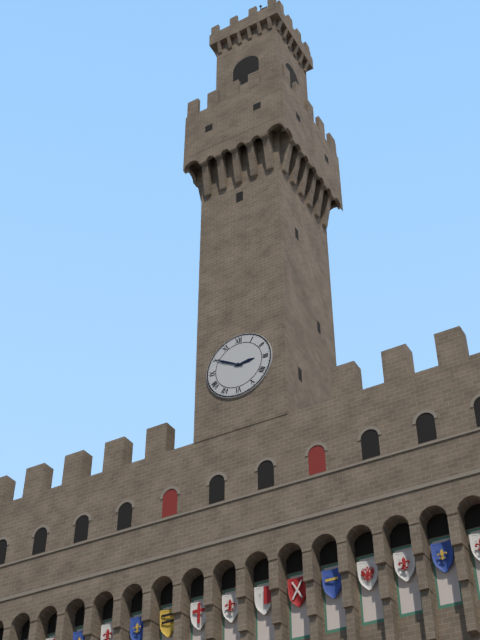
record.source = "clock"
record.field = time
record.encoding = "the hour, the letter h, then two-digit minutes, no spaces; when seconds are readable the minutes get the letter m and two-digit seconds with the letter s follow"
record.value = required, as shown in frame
2h50
